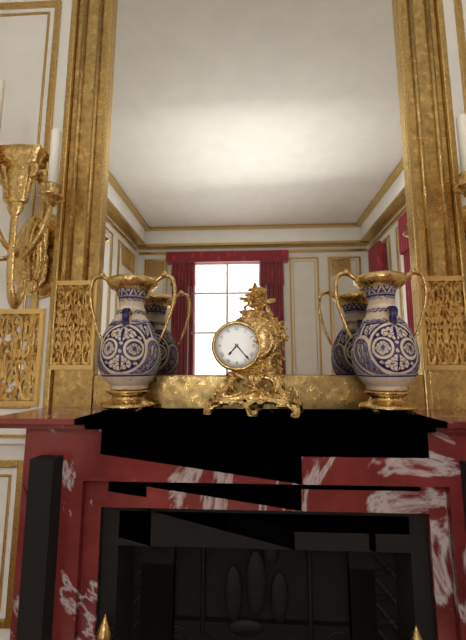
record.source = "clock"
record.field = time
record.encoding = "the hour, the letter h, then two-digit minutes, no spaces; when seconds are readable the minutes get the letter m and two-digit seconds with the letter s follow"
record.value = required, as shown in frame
7h23
